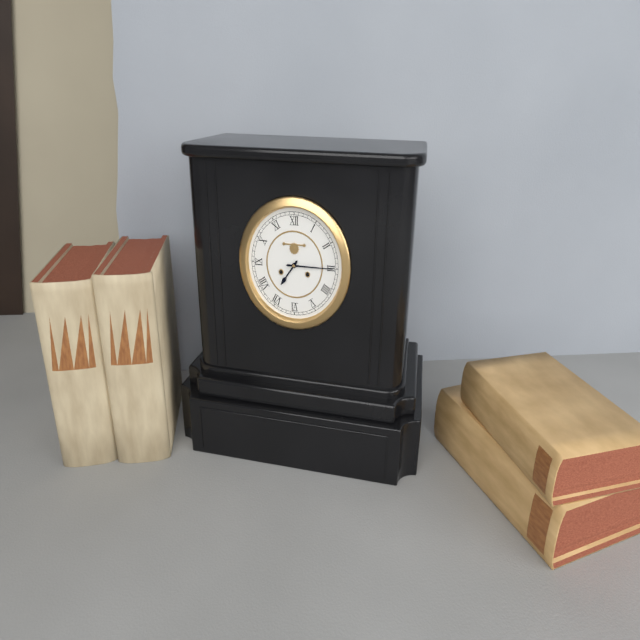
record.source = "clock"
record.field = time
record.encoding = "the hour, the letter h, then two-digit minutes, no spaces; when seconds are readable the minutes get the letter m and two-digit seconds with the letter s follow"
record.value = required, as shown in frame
7h15
